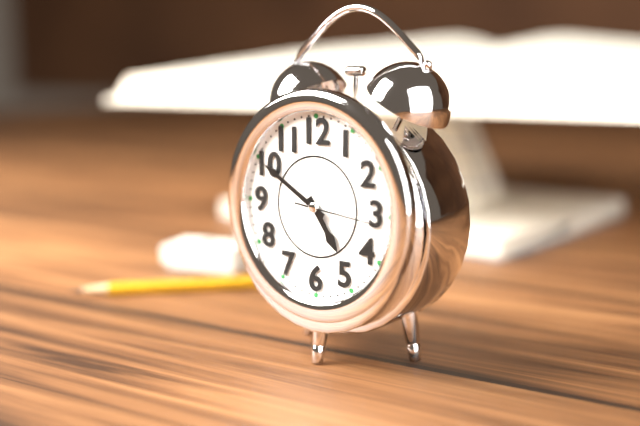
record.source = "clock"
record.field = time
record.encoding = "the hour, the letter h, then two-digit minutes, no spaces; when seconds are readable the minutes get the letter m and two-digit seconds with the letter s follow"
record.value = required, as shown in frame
4h50m16s
